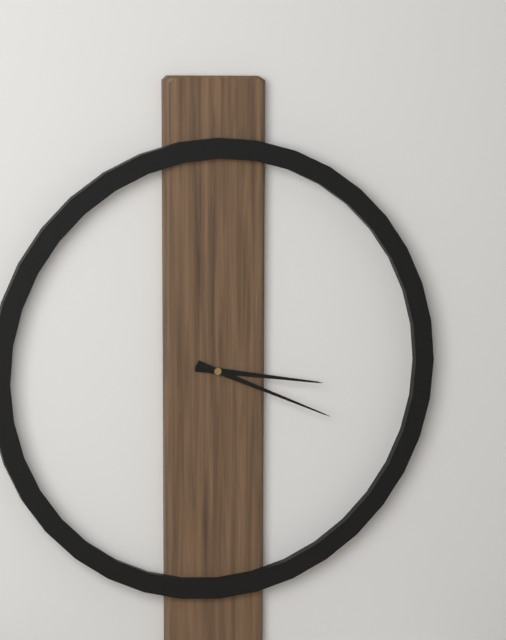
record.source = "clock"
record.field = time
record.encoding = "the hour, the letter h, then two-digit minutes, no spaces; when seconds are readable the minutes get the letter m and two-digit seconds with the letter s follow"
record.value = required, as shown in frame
3h19
